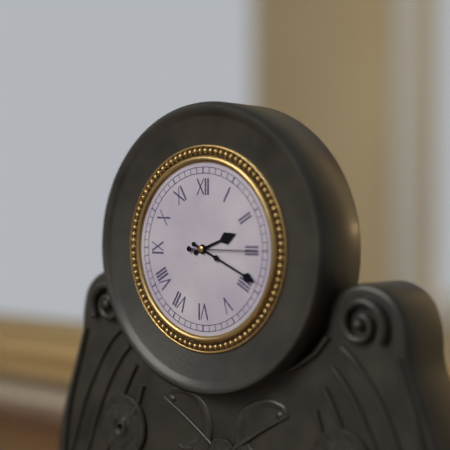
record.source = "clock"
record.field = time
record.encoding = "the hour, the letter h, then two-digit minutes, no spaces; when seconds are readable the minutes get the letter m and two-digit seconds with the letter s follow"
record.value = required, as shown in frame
2h19m15s
